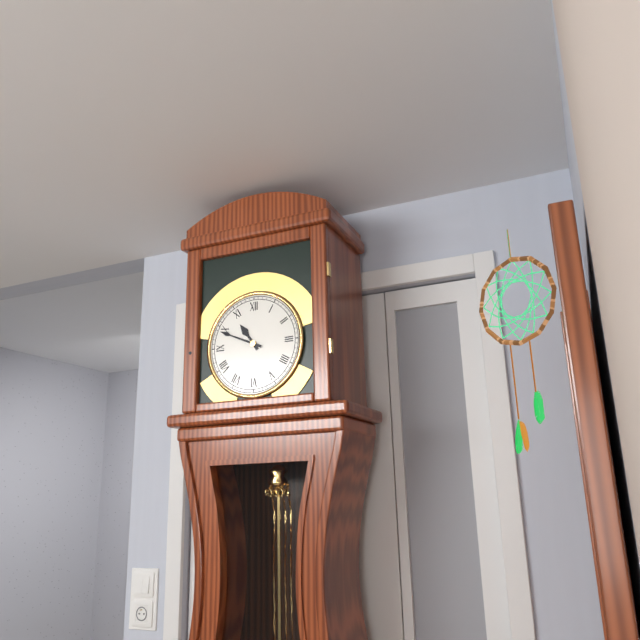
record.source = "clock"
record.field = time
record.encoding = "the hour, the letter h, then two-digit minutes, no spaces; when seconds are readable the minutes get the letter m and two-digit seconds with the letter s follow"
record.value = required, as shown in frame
10h49
